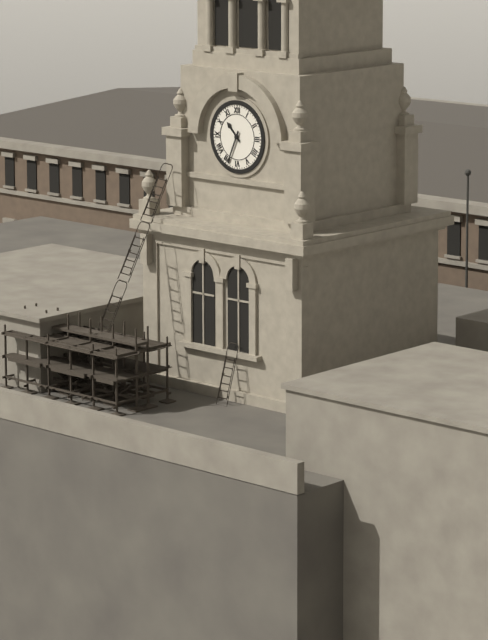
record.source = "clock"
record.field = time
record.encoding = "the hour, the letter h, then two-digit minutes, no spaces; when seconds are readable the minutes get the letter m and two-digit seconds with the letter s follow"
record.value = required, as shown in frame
10h34
